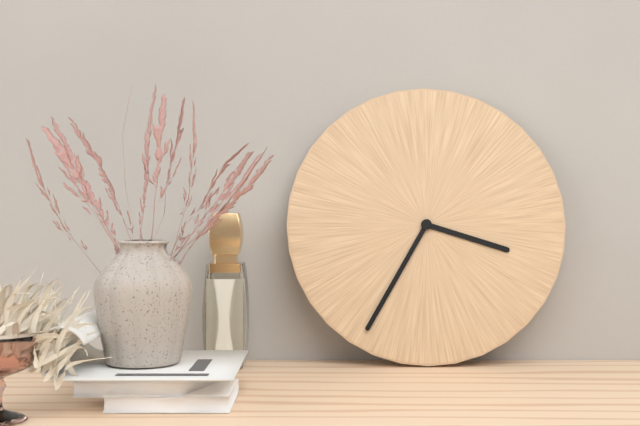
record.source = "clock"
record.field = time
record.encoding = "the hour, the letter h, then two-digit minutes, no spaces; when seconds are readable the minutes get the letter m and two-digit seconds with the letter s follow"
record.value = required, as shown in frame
3h35
